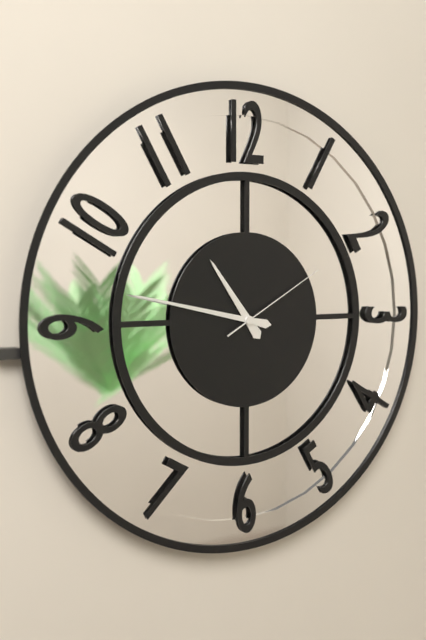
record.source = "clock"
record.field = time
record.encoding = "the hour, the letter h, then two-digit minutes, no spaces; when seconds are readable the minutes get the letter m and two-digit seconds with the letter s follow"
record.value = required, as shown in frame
10h47m10s
